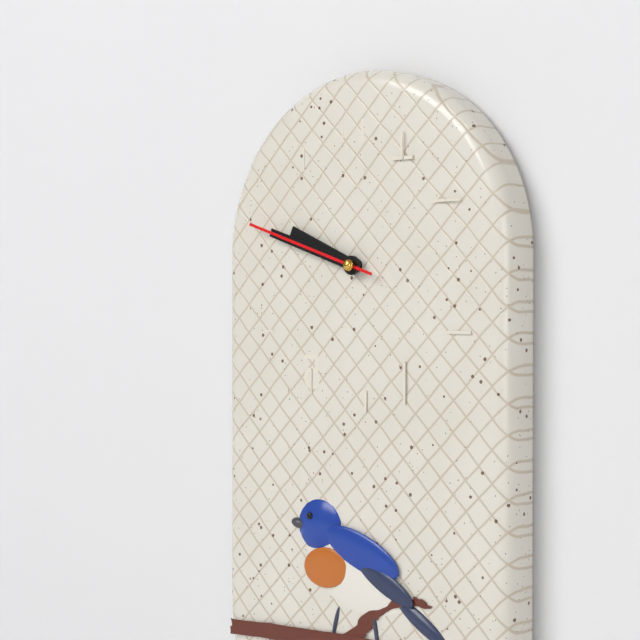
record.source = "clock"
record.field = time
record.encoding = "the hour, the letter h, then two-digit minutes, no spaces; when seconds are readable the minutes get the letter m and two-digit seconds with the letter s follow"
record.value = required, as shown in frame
9h48m48s
